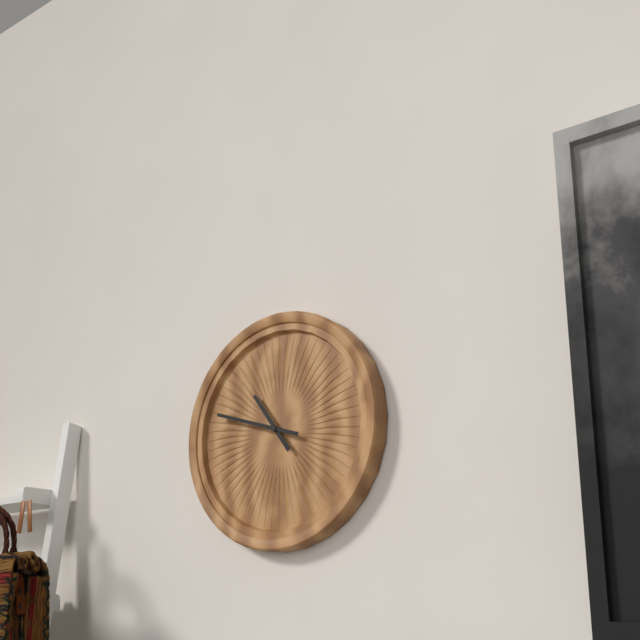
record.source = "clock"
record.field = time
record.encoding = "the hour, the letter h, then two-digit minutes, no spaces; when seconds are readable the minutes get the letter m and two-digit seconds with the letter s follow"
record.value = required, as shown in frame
10h48
